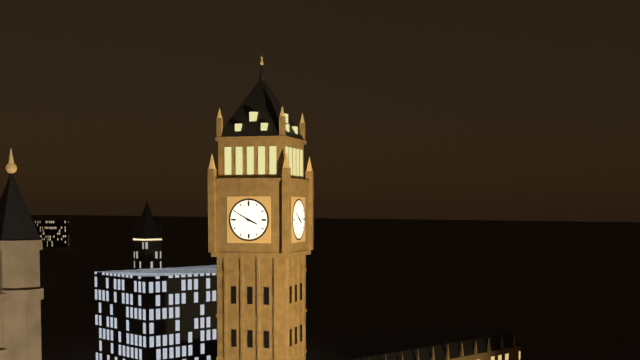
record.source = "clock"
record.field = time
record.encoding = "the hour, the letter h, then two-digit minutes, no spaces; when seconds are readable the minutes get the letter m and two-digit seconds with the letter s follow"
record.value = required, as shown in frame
3h50
